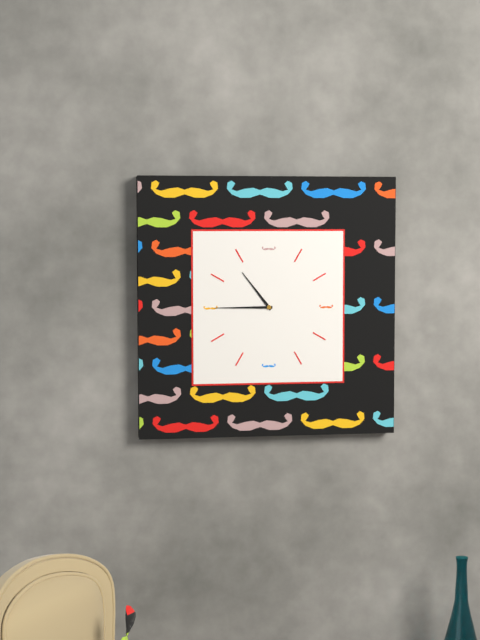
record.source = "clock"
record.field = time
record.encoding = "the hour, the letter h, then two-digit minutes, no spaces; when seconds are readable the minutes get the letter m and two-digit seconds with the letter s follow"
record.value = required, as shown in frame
10h45
